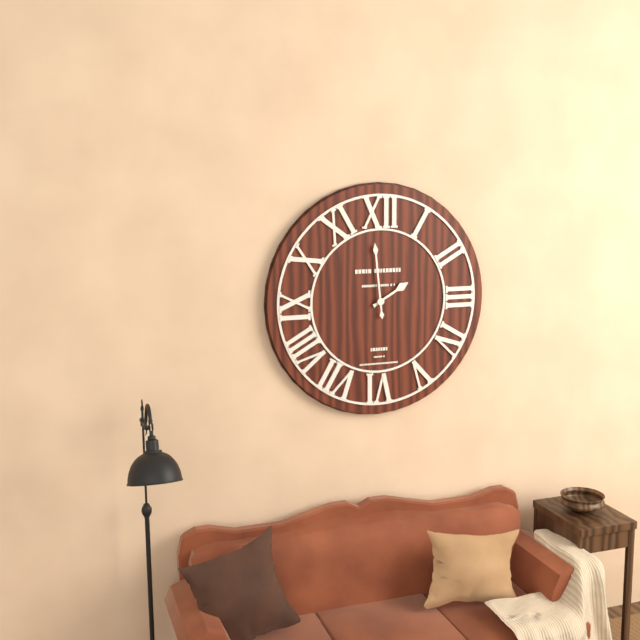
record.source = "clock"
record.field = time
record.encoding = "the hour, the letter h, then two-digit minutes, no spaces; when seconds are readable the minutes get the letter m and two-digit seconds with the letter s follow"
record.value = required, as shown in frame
1h59
